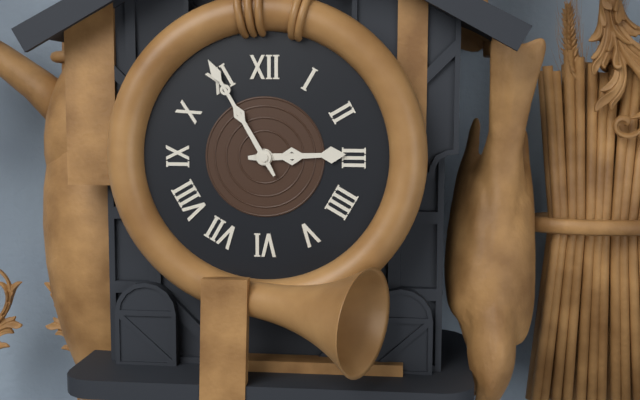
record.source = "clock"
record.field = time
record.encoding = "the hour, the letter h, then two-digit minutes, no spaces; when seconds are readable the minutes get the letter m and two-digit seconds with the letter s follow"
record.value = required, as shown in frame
2h55
